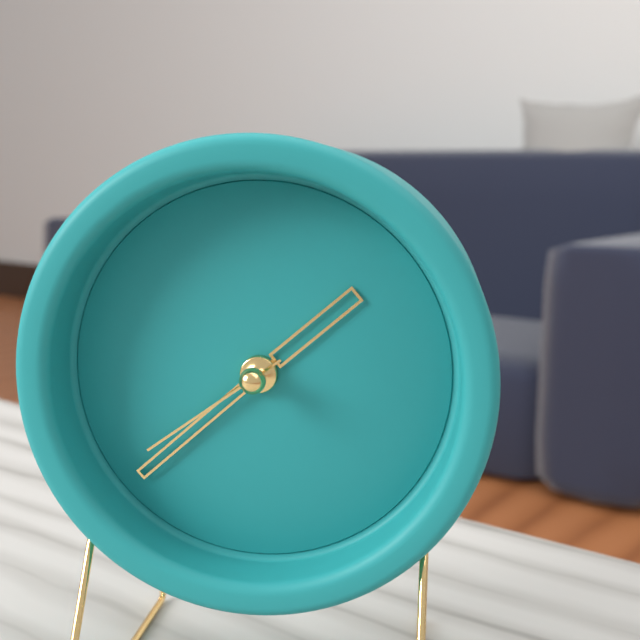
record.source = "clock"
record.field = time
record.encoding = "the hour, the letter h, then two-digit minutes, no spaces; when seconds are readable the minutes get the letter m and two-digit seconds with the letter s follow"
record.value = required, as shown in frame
1h38m39s
